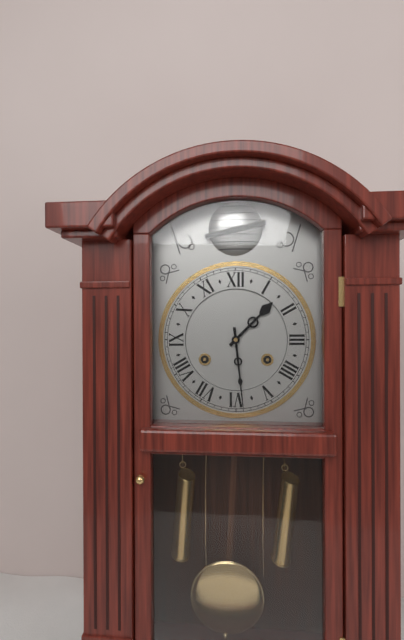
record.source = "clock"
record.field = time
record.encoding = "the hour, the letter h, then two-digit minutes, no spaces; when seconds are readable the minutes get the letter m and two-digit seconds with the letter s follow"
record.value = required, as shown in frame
1h29
